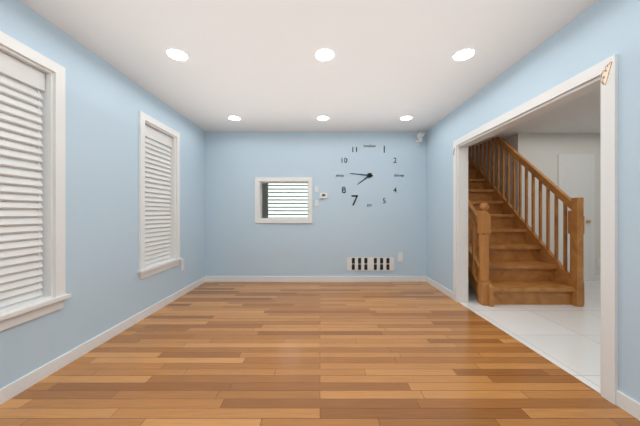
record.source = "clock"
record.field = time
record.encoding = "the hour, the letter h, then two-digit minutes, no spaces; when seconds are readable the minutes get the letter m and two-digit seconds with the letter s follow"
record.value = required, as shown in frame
7h46
